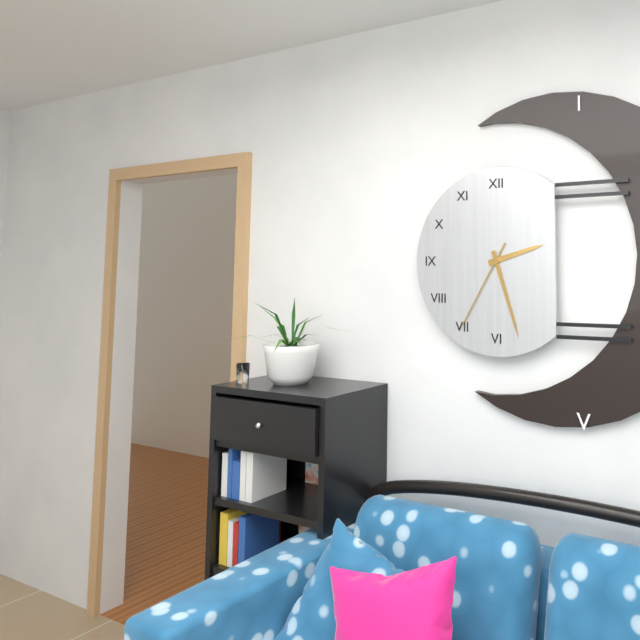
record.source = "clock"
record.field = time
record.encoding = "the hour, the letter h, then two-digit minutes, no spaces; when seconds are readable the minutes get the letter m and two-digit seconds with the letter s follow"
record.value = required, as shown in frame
2h27m35s
